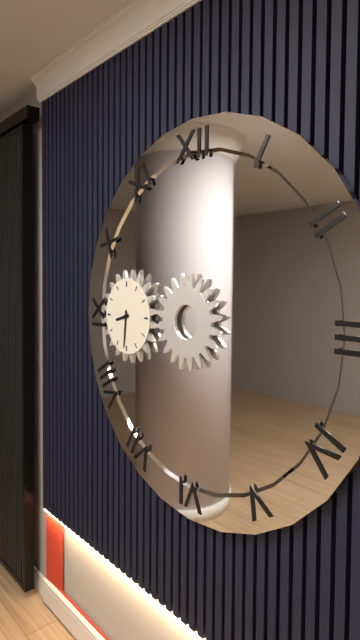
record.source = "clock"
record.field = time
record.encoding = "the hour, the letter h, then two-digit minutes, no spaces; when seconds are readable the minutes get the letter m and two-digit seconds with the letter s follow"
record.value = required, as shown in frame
8h31
